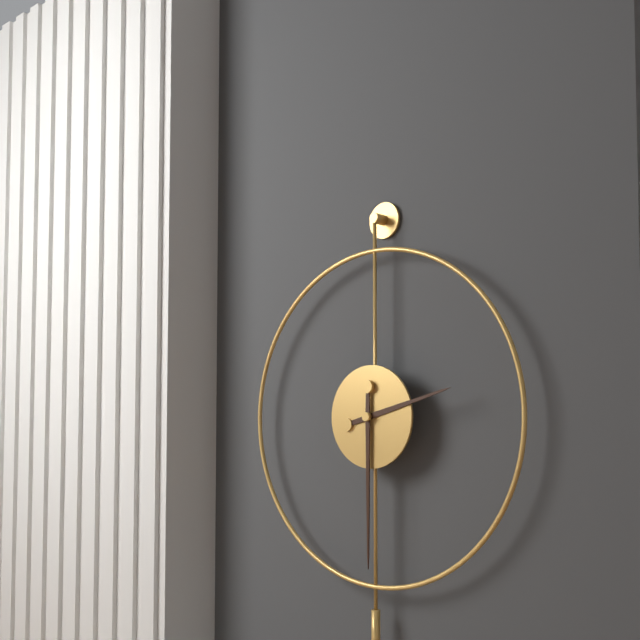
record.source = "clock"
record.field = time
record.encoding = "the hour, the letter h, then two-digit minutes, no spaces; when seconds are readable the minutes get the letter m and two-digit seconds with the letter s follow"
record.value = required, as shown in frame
2h30
